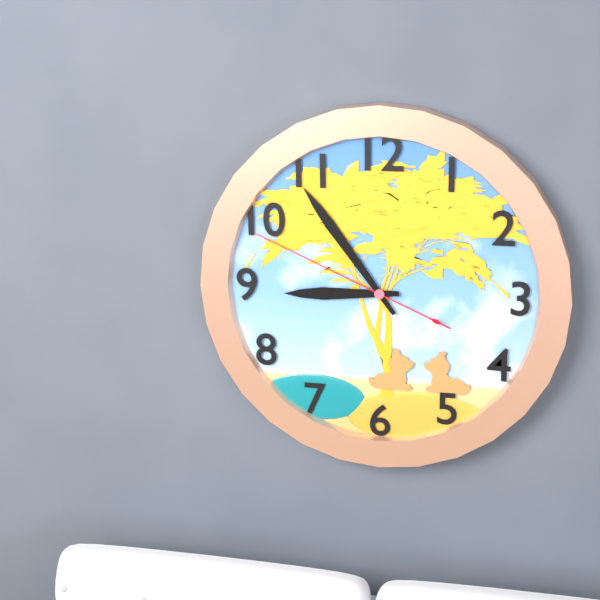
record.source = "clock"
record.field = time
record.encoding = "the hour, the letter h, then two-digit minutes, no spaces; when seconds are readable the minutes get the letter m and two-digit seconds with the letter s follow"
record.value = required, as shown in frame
8h54m49s
